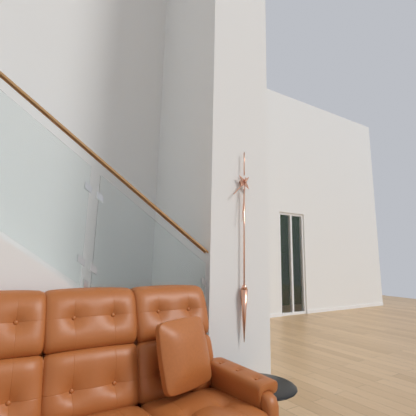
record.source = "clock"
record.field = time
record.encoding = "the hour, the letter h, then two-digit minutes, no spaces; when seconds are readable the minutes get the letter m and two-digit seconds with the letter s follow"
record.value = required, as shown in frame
7h31
